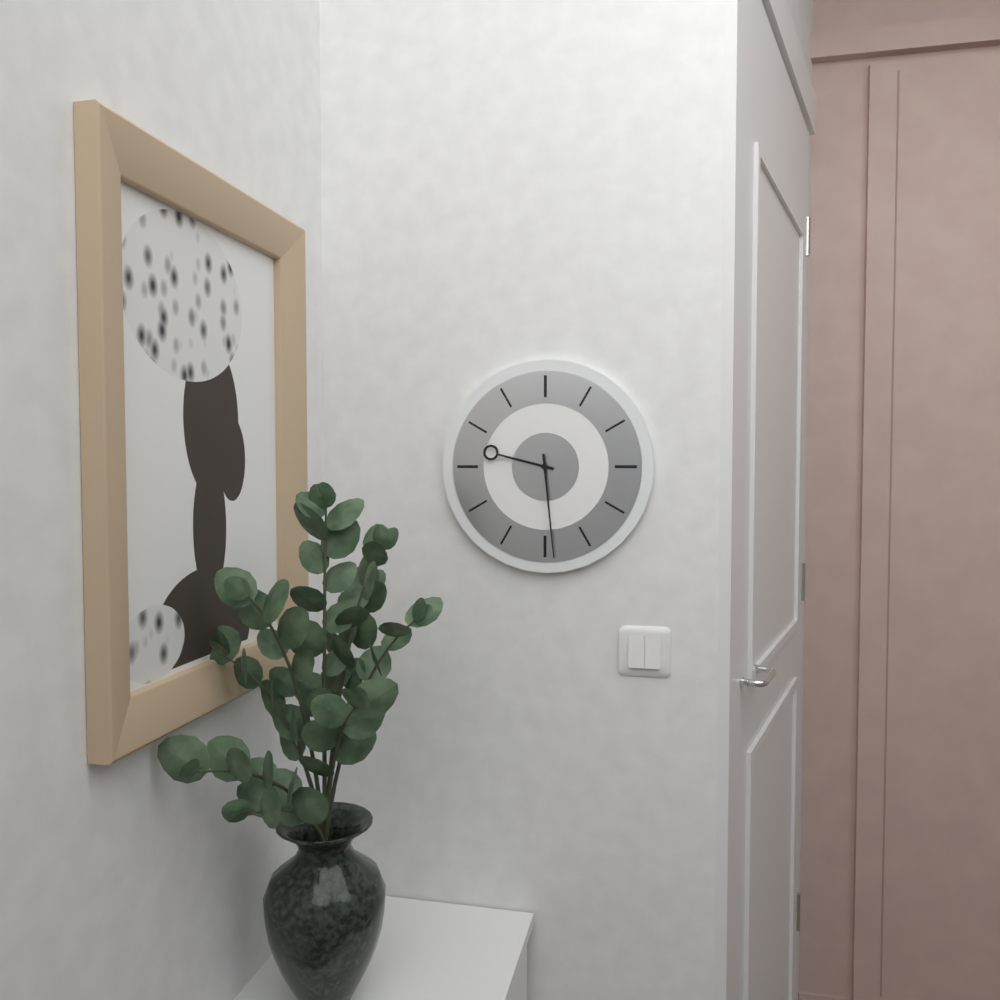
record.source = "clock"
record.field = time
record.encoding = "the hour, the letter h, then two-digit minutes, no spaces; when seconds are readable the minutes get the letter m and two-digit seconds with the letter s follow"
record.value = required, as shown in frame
9h29
